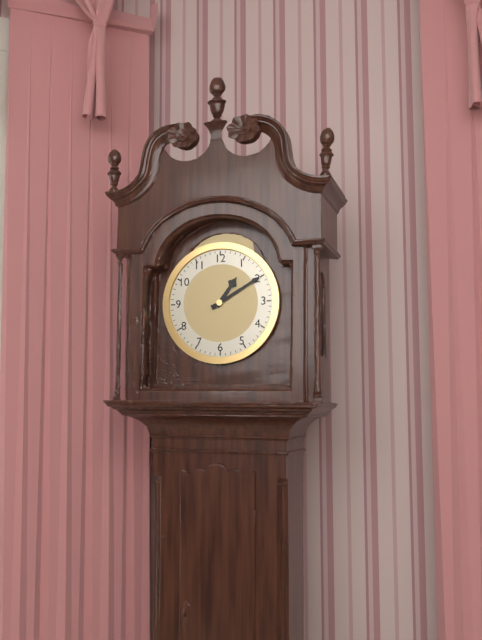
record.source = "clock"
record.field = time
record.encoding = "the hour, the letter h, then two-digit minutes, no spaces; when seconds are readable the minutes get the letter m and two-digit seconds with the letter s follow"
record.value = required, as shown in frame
1h10
